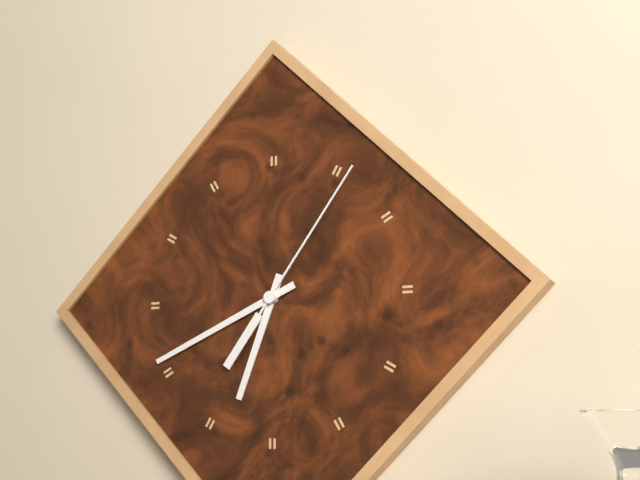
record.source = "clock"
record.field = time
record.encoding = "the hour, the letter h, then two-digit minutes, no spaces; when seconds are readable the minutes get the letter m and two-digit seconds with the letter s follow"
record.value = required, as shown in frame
6h41m06s
